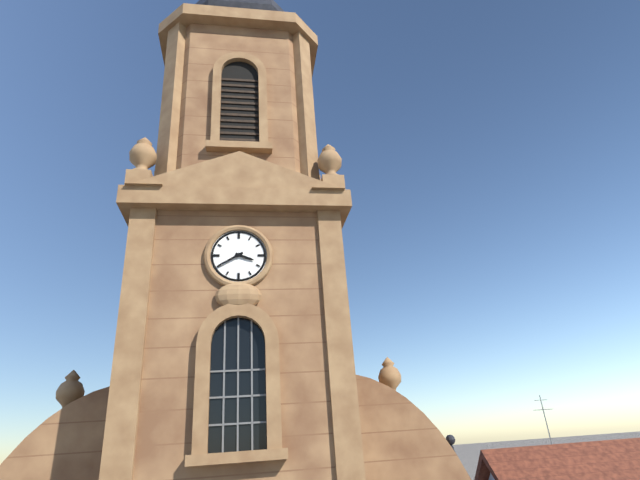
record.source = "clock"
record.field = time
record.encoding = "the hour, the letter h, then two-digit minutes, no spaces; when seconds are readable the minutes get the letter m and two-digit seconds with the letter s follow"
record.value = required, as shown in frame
3h40
